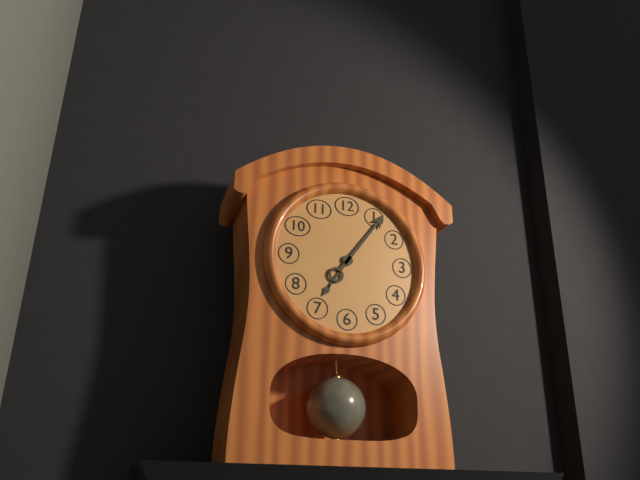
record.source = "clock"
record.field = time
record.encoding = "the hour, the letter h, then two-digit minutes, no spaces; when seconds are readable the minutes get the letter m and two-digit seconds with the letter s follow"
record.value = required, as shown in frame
7h06
